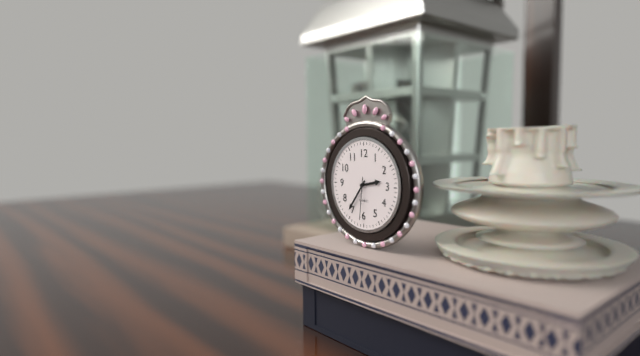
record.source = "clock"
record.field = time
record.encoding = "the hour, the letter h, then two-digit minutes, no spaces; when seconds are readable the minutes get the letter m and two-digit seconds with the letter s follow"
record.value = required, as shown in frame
2h36
